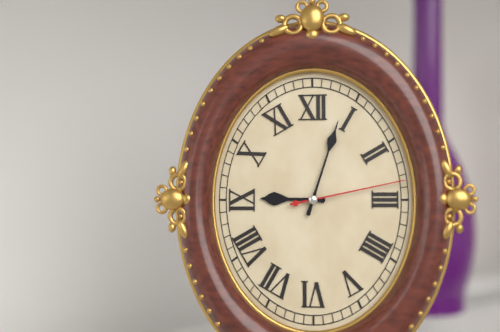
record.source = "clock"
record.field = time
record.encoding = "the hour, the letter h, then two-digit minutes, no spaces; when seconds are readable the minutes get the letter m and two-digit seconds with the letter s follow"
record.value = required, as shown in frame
9h03m13s
